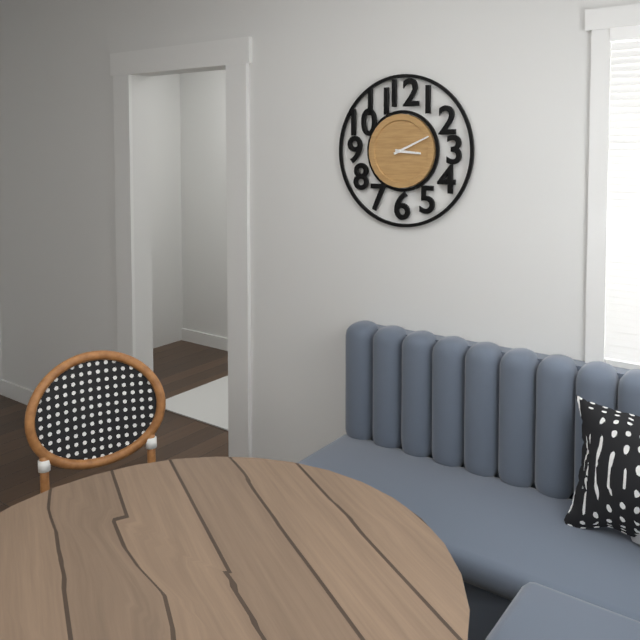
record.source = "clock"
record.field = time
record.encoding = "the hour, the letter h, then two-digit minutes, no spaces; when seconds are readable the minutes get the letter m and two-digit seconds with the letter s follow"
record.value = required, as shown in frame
3h11
